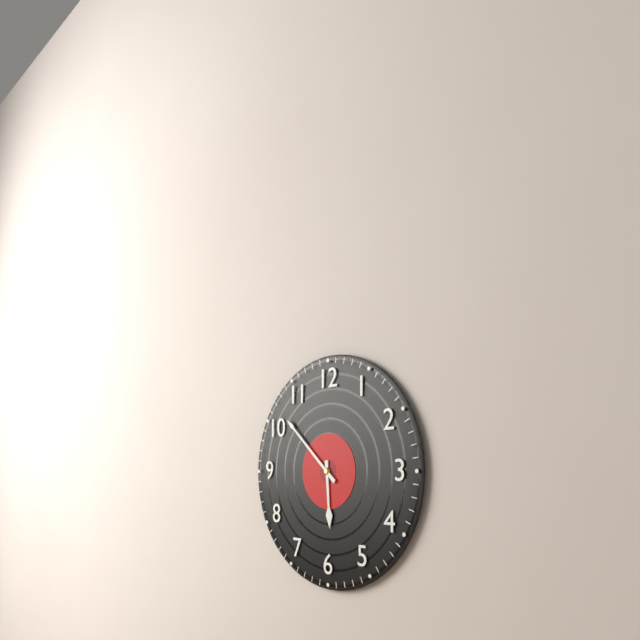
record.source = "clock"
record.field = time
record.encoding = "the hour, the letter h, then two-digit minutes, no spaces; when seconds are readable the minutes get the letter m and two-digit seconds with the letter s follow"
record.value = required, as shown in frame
5h52
